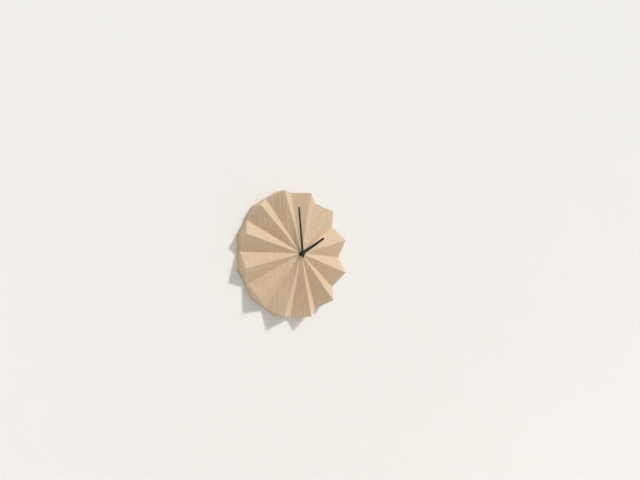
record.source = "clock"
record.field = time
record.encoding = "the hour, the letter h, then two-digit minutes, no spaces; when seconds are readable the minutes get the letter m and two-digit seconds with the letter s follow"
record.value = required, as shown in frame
1h59
